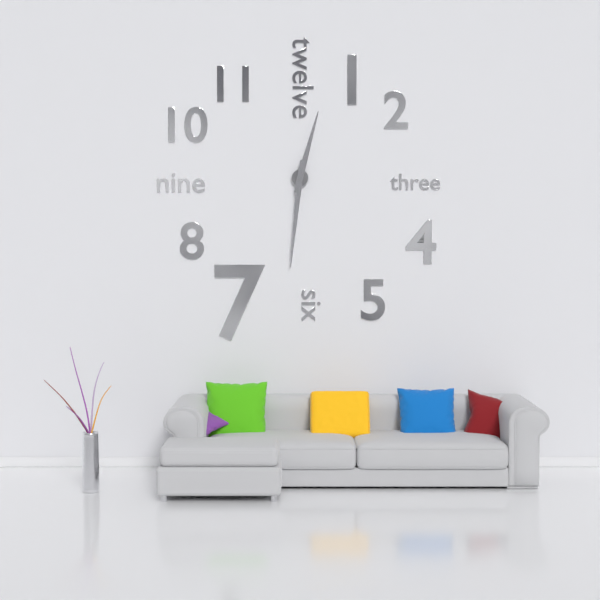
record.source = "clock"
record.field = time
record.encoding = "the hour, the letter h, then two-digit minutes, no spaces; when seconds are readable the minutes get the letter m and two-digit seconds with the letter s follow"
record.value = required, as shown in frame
12h31
